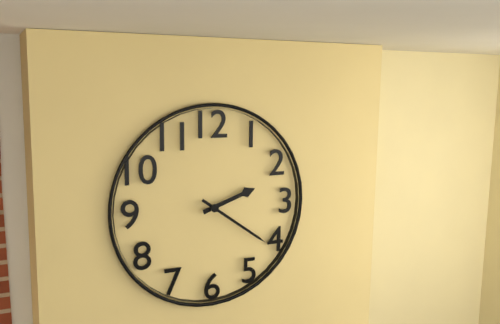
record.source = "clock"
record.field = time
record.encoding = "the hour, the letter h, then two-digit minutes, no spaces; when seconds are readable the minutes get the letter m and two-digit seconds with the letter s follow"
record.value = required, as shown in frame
2h21
